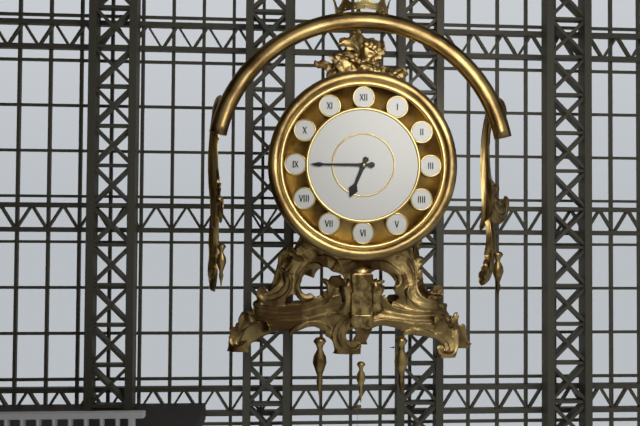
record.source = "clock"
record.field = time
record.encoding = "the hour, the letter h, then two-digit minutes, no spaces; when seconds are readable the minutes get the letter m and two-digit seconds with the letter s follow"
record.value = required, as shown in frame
6h45
